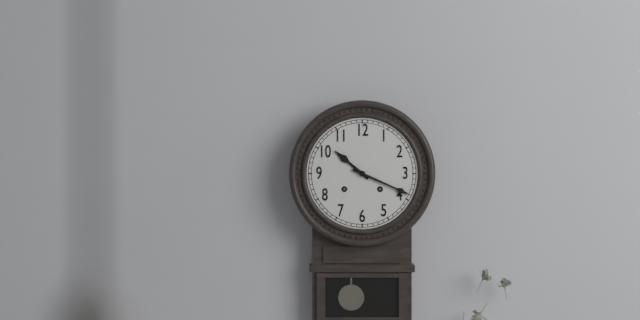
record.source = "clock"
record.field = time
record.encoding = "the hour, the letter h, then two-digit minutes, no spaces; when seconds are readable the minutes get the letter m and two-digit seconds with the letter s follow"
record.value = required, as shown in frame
10h19
